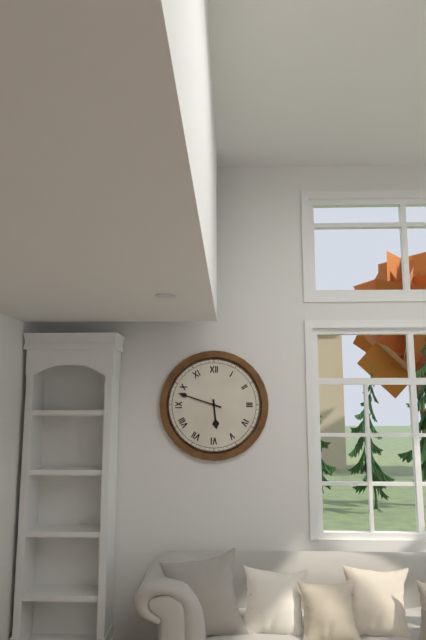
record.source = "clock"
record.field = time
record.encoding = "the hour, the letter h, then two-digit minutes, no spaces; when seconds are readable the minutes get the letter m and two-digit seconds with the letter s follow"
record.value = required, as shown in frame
5h48
